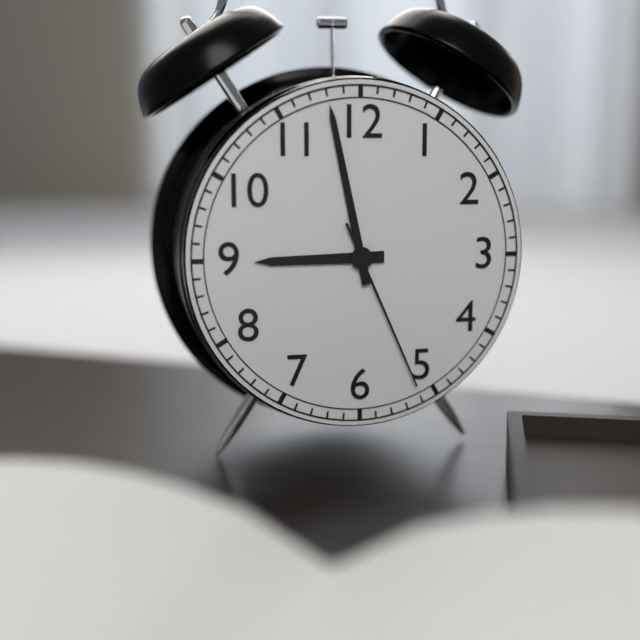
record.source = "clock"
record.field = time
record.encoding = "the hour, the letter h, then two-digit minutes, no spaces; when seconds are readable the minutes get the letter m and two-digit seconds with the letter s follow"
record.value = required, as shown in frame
8h58m26s
